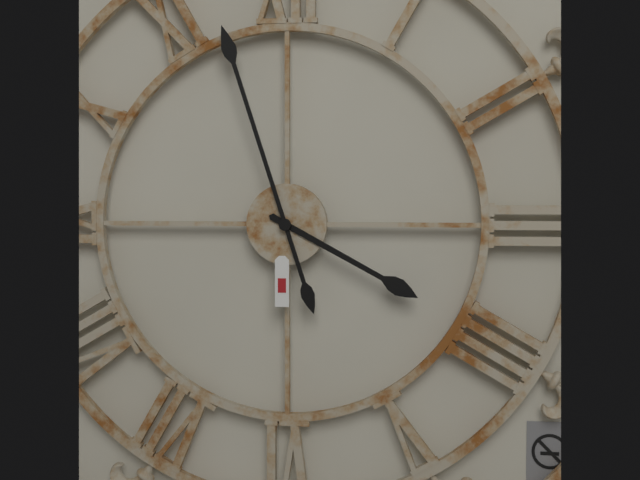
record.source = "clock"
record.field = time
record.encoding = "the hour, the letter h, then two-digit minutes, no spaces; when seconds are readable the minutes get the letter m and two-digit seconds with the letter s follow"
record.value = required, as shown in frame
3h57
